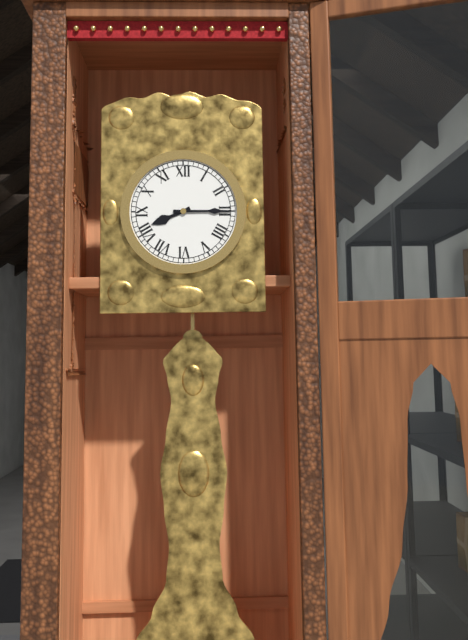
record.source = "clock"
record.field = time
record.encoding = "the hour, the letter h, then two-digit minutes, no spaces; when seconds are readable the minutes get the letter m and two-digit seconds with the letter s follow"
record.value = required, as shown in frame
8h15
